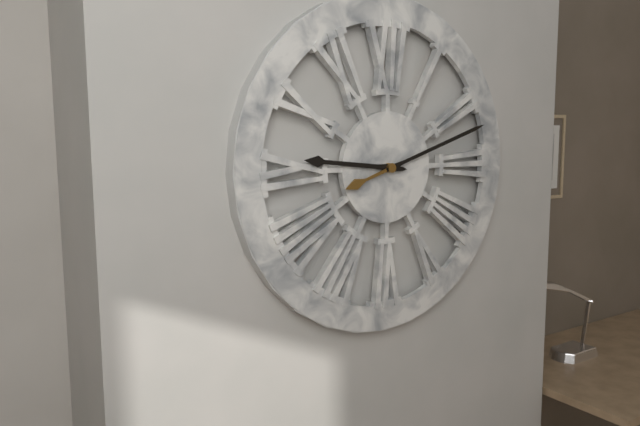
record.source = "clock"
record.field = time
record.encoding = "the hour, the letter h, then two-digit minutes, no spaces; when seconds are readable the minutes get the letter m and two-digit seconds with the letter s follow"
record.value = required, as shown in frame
9h12
